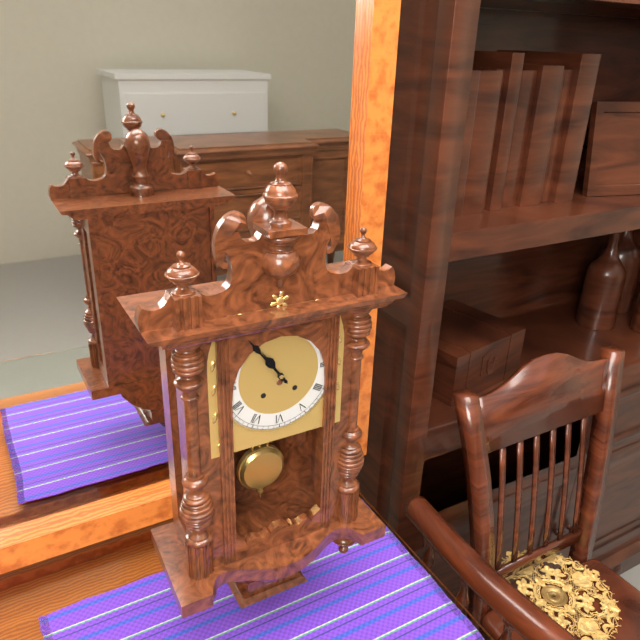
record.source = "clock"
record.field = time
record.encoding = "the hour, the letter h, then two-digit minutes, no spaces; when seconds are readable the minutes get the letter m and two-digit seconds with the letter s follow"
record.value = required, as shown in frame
10h54
